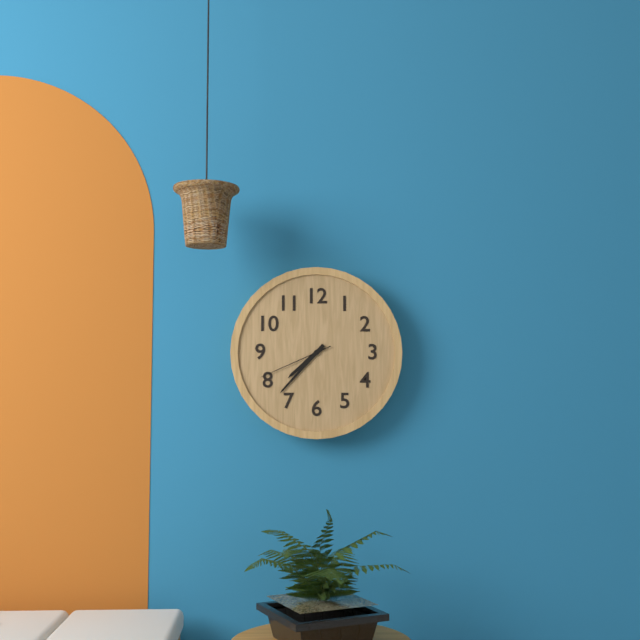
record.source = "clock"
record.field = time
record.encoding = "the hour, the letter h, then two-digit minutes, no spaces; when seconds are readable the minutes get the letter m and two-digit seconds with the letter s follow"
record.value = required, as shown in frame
7h37m41s
